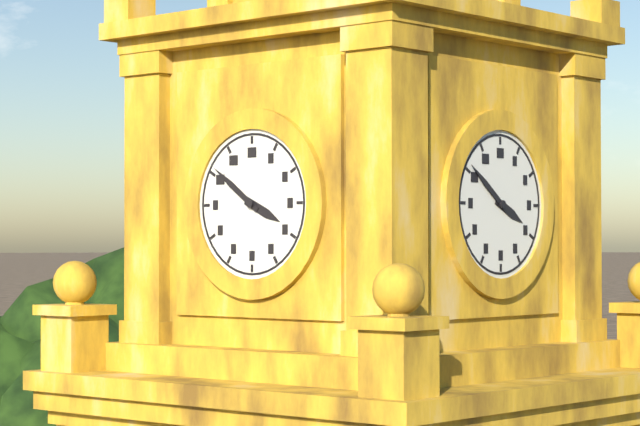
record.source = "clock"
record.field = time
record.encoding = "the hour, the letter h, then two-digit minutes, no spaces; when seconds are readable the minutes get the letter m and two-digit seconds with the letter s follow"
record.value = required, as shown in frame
3h51
